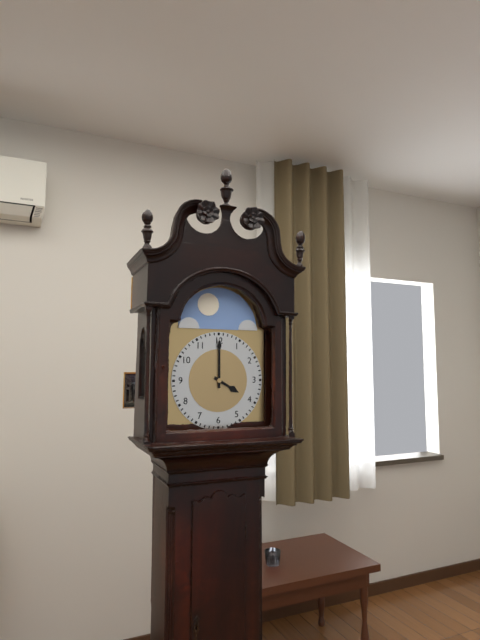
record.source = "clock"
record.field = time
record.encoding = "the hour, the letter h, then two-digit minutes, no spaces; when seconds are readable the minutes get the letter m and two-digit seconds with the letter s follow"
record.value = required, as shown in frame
4h00
